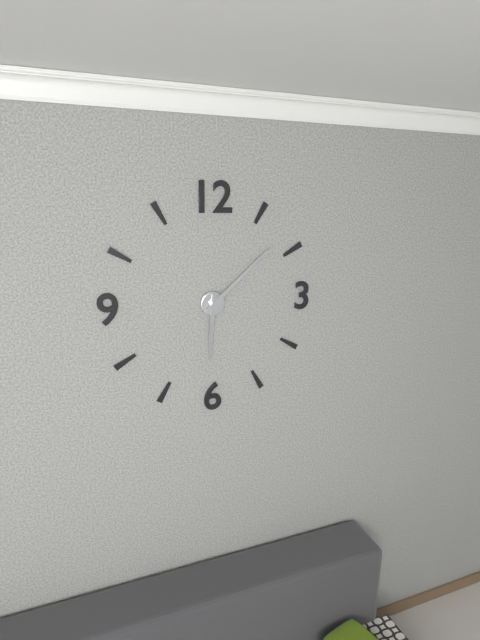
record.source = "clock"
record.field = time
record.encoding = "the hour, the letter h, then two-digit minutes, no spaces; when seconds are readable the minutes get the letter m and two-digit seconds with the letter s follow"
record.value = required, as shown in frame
6h08
